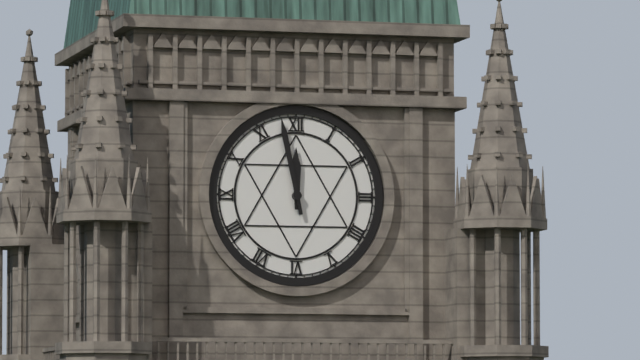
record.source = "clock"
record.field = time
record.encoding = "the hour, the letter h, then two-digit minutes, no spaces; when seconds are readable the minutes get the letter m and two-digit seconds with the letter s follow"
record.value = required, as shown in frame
11h58
